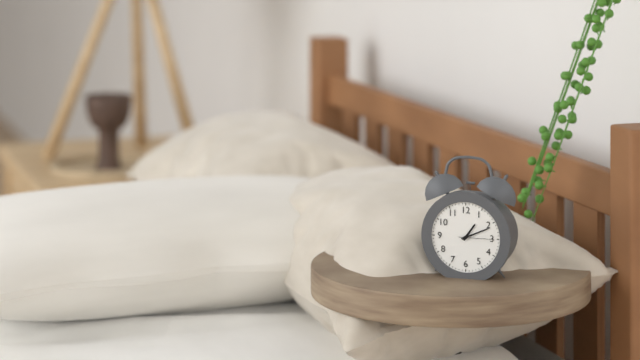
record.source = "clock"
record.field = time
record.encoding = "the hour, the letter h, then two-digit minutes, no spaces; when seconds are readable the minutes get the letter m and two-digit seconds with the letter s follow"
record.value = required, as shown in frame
1h11
